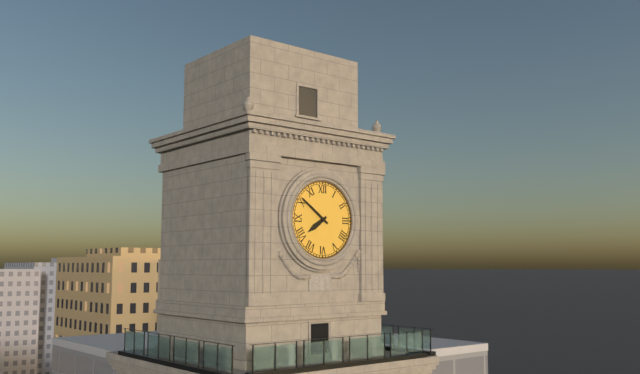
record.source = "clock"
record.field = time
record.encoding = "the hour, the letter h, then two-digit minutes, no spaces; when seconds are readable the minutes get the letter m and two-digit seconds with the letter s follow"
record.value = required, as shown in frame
7h51
